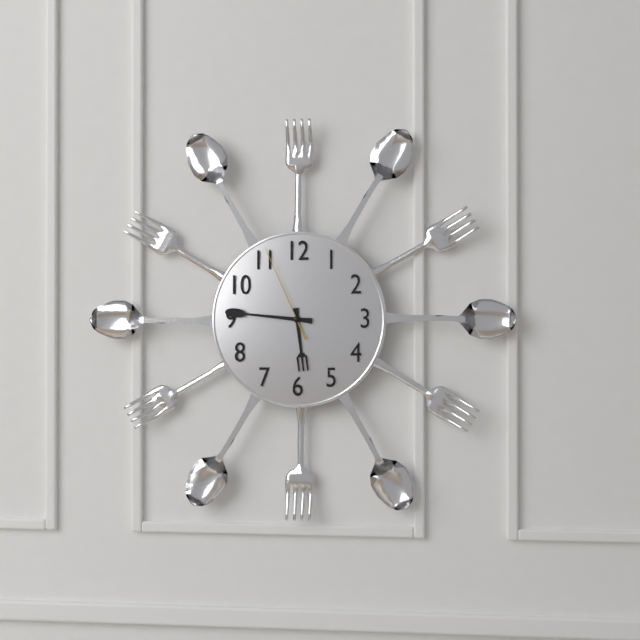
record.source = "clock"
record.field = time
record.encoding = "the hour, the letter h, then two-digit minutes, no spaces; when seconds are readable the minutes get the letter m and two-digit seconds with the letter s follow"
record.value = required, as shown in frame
5h46m56s
